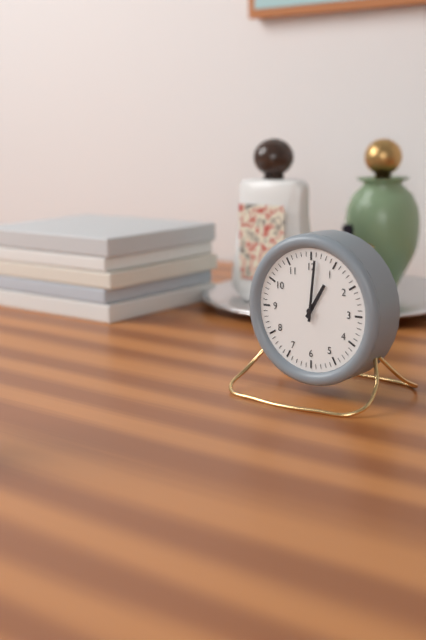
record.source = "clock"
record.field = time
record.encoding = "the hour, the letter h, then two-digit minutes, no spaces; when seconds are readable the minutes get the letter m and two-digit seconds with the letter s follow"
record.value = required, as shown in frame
1h01
